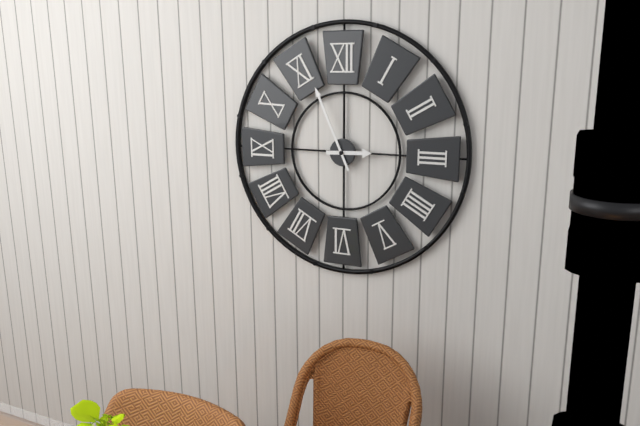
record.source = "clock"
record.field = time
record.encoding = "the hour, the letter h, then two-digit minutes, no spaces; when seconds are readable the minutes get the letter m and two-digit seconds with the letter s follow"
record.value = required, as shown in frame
2h56
